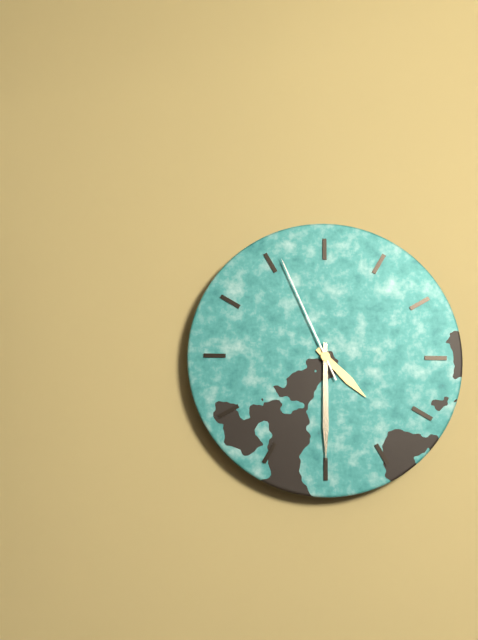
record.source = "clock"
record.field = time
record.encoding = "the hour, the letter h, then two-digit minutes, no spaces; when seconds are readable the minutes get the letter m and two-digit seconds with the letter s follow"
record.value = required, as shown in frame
4h30m56s
